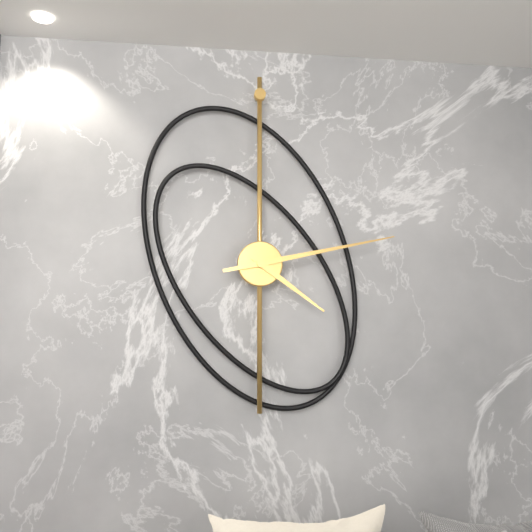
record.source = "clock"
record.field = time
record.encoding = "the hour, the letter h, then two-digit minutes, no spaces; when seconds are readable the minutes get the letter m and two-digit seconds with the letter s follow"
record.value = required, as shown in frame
4h13
